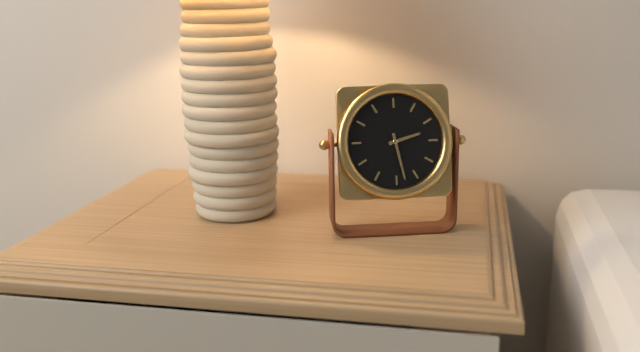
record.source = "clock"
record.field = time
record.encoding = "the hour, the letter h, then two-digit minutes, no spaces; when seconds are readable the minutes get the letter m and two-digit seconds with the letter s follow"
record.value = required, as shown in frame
2h28
